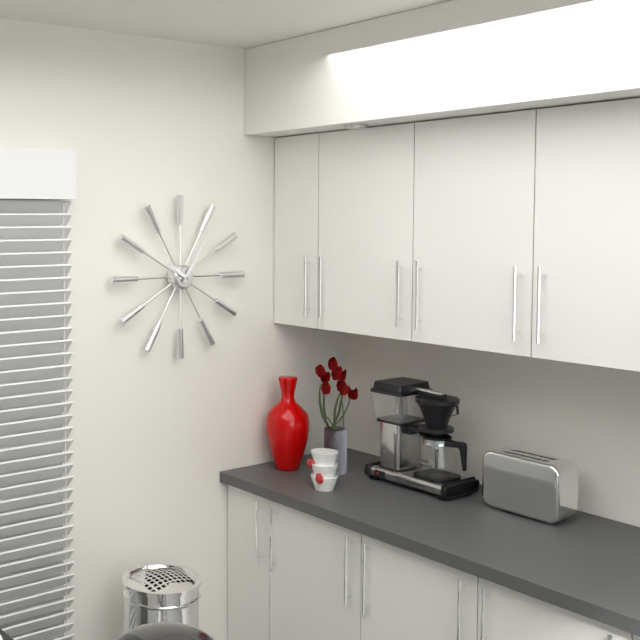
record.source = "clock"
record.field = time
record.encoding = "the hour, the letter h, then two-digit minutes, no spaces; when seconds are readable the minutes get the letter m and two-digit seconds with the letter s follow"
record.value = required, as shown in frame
10h05
